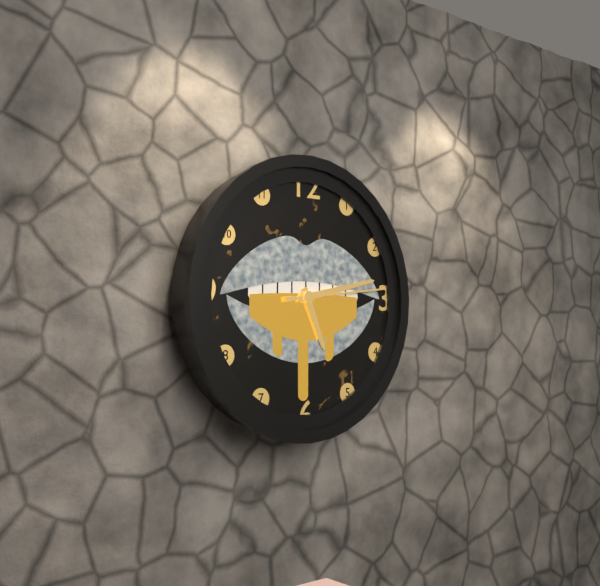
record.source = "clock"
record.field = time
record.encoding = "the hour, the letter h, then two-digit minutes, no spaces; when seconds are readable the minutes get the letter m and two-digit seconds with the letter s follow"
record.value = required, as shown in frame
5h13m14s
